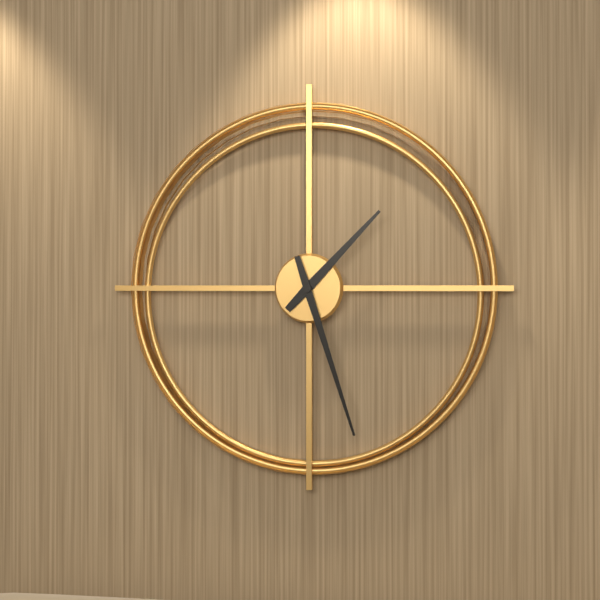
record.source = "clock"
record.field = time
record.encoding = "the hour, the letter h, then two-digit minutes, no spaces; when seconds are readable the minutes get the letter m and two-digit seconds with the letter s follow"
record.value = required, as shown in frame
1h27
